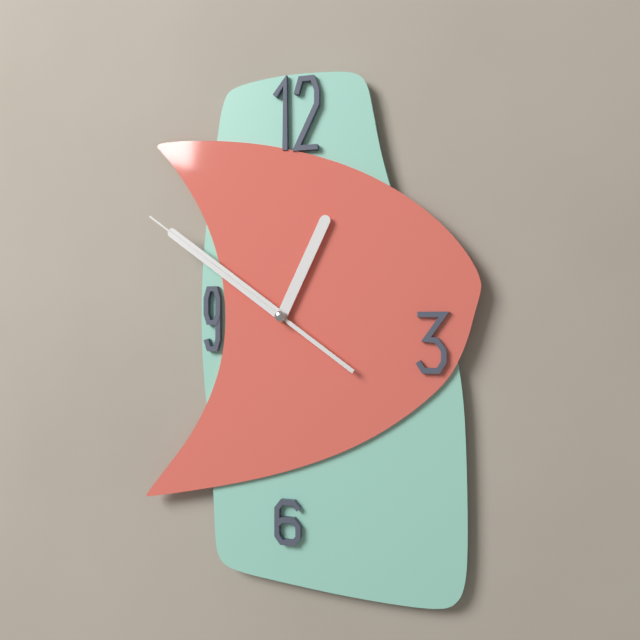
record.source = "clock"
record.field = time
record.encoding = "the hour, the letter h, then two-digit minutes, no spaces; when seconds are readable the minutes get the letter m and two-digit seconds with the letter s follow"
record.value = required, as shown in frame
12h51m51s
